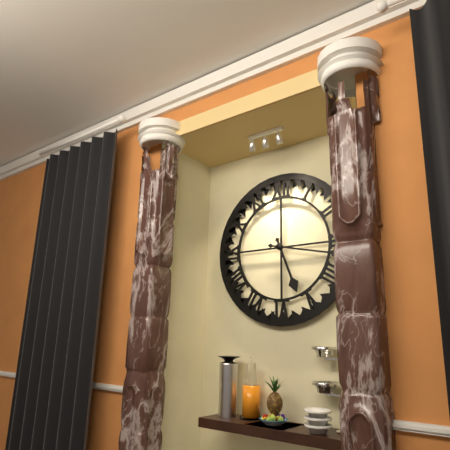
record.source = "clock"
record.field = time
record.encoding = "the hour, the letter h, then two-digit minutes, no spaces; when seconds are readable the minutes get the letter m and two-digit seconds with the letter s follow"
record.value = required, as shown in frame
5h17
